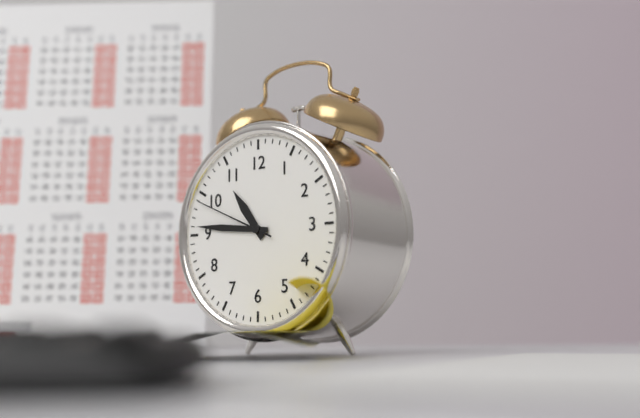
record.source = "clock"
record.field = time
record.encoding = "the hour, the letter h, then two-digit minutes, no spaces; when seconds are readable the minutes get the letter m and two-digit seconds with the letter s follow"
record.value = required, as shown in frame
10h46m49s
